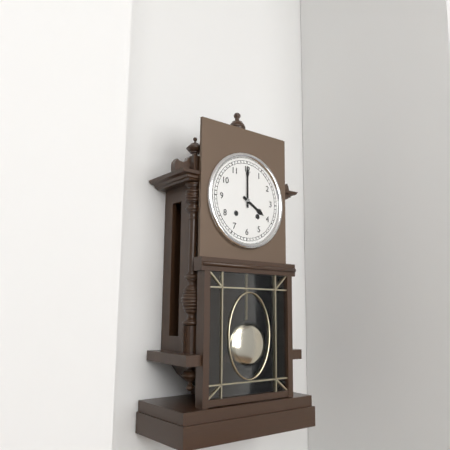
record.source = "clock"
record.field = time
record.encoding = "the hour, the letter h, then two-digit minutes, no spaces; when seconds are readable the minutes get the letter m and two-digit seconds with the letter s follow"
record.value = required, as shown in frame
4h00
